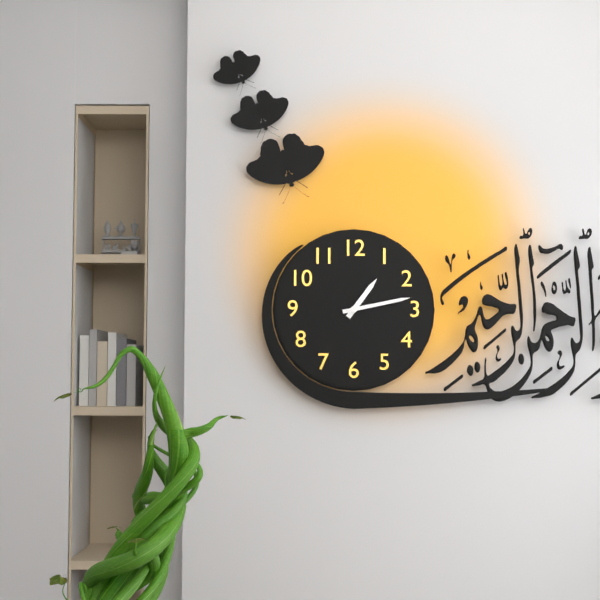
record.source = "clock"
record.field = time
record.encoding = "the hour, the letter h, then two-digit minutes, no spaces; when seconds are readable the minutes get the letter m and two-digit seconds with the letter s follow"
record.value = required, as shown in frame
1h13
